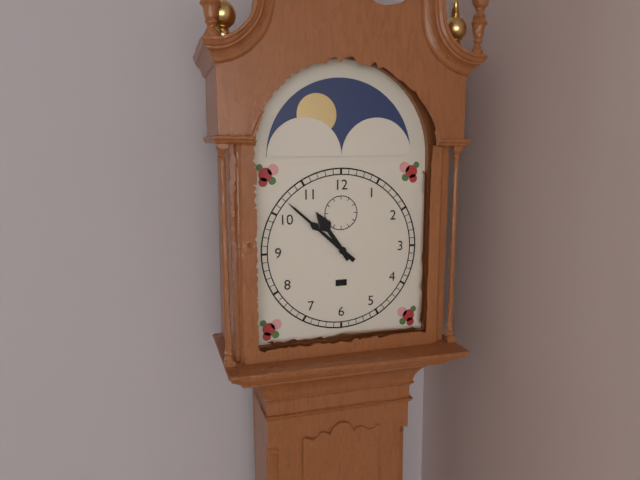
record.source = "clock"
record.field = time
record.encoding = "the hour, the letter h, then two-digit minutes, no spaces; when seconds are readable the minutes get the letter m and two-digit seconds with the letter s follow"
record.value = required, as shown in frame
10h52
